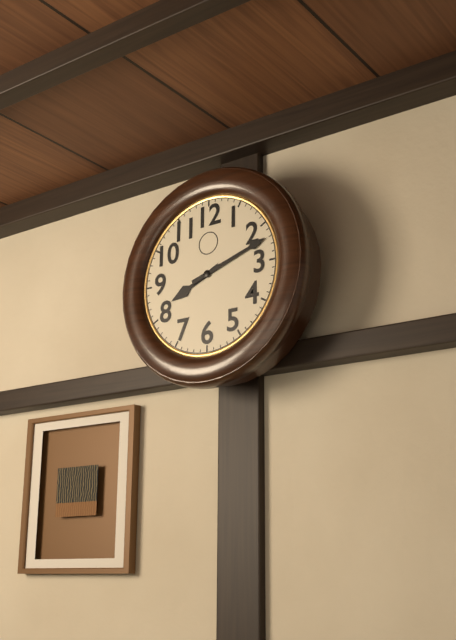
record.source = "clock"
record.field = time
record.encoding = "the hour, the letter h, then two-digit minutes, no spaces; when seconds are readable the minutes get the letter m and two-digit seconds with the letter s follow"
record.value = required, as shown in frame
8h12
